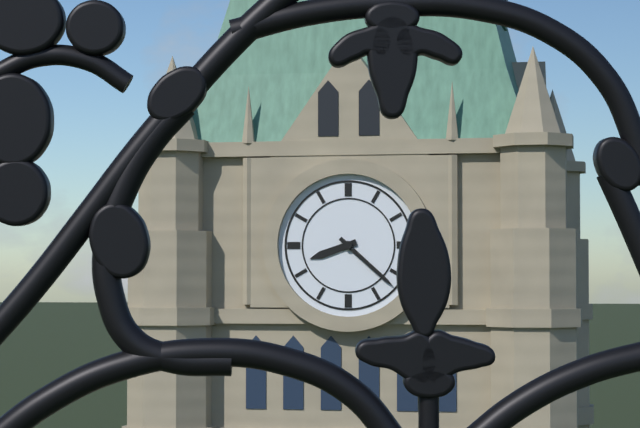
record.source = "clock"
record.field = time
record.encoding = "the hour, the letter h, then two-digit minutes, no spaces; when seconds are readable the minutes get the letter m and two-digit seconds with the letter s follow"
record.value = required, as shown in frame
8h22
